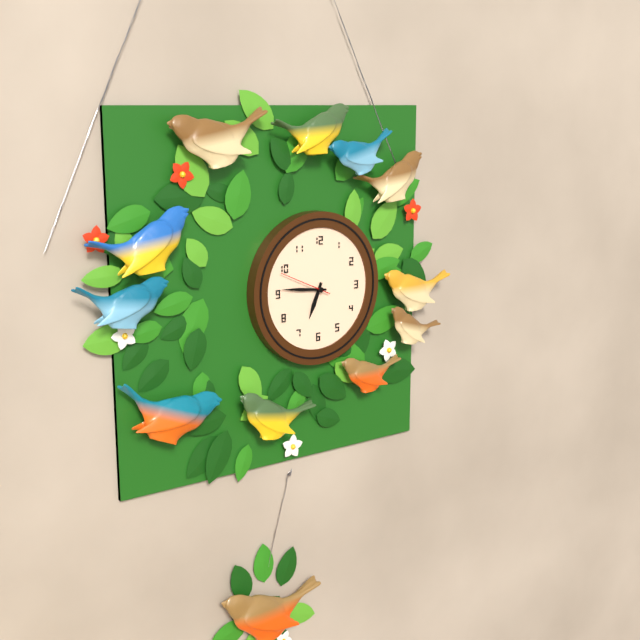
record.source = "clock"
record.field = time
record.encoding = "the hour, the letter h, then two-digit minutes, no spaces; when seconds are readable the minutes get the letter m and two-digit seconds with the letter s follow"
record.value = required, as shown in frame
6h46m49s
